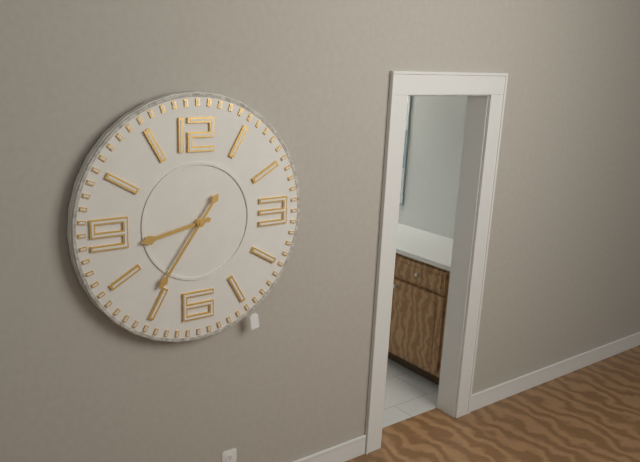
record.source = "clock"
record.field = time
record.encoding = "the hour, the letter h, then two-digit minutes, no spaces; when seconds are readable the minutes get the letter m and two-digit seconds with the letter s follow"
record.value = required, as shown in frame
8h36
